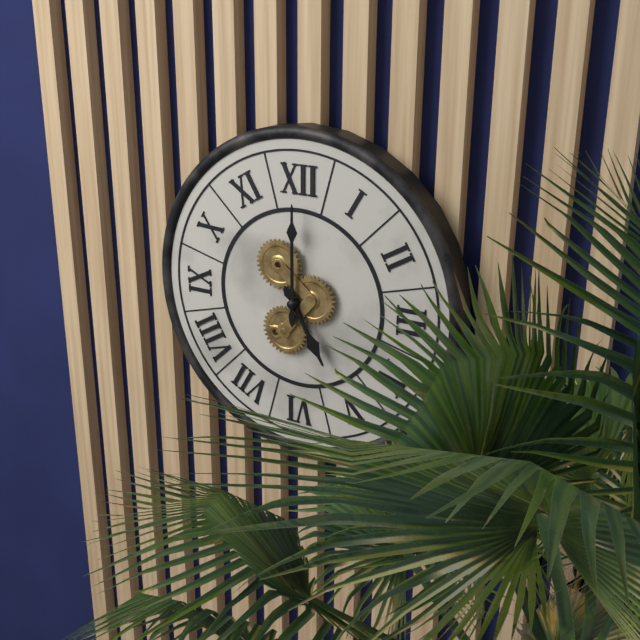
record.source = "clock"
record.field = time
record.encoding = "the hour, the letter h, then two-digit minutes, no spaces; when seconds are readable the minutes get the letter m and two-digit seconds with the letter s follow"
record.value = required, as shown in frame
5h00
